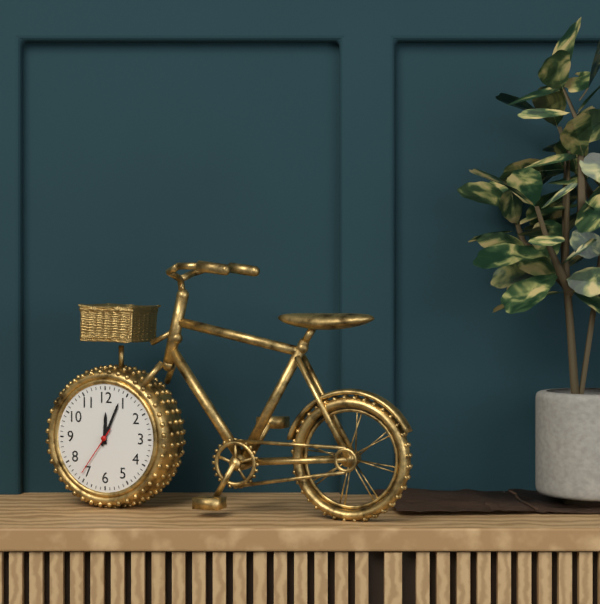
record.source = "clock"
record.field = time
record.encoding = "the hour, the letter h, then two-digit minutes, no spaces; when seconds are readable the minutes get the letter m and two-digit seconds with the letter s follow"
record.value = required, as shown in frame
12h04m36s
